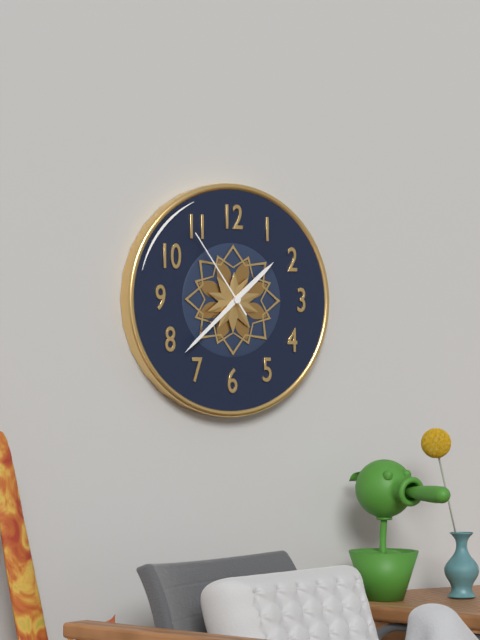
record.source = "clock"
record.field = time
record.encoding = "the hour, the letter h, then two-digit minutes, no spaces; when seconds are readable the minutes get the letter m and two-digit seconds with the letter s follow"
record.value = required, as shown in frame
1h38m54s
